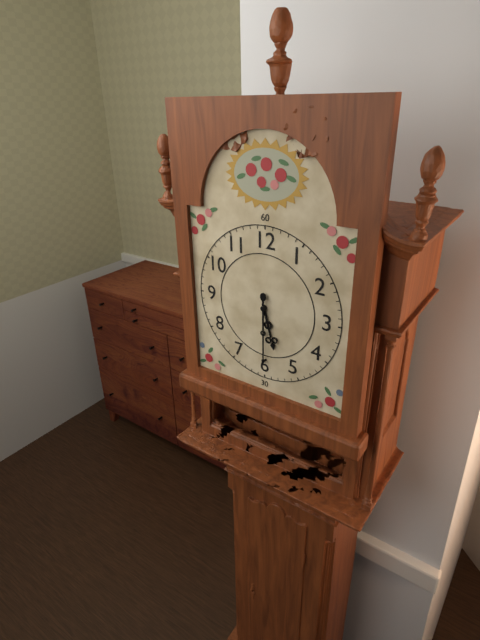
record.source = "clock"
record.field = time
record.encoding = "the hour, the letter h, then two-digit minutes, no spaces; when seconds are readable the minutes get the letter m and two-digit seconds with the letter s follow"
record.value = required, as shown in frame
5h30
